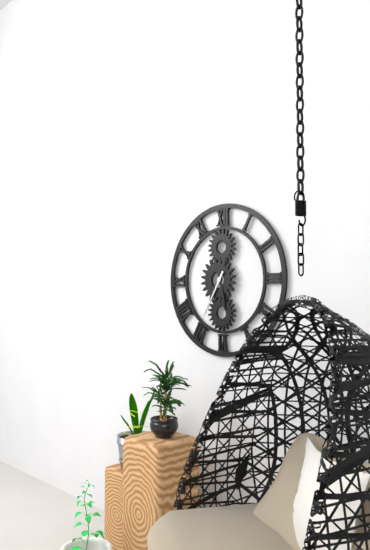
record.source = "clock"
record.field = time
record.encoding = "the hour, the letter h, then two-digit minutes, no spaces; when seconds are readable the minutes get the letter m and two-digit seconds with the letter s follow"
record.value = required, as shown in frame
5h35
